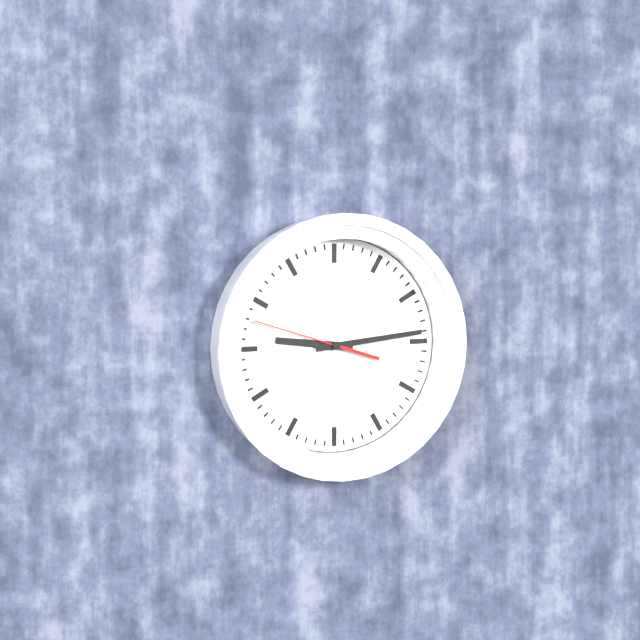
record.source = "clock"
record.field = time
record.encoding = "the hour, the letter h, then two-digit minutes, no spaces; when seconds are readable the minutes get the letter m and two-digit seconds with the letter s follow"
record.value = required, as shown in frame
9h14m48s
